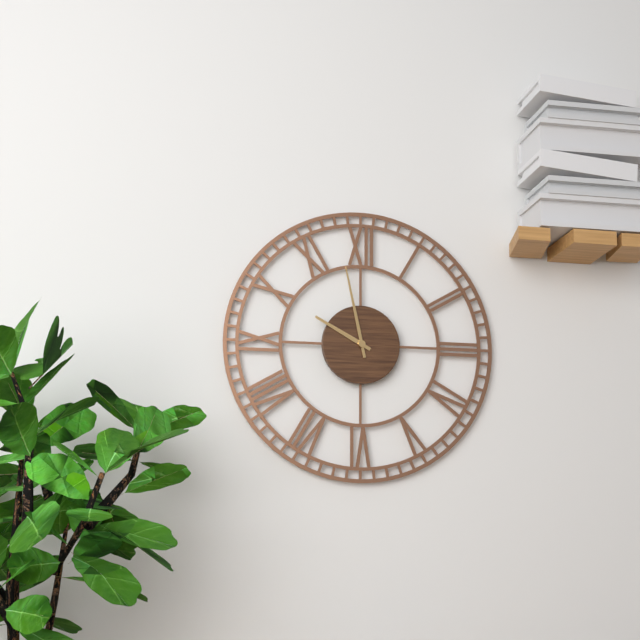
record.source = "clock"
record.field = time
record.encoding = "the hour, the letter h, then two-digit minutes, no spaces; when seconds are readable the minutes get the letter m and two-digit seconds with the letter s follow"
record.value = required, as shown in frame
9h58
